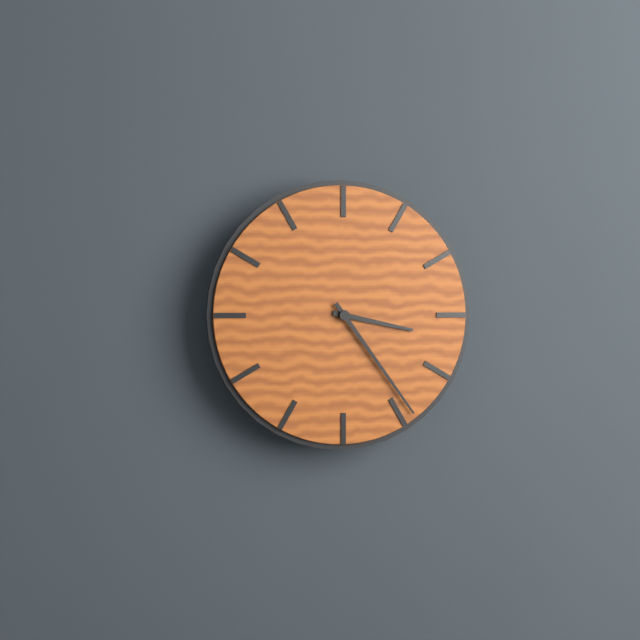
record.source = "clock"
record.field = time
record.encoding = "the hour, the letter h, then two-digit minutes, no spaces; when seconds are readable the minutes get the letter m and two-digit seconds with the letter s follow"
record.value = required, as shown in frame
3h24
